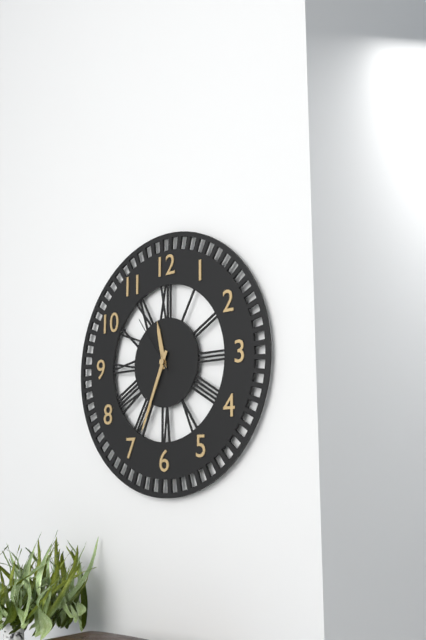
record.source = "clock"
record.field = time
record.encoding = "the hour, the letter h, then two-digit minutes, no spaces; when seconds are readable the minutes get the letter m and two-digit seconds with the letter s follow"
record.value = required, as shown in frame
11h34m54s
